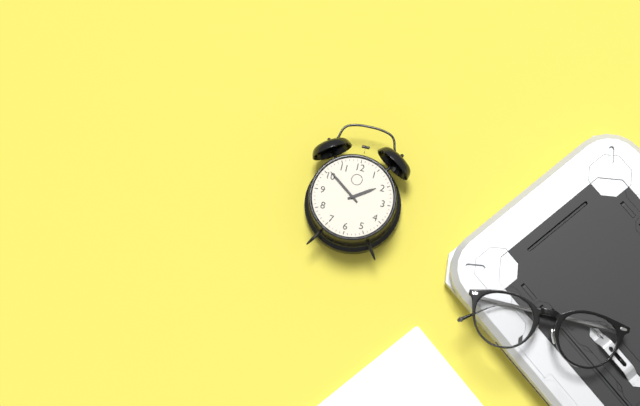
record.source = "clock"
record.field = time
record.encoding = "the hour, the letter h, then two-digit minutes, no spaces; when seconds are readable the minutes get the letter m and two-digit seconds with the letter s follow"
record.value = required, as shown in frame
1h51
